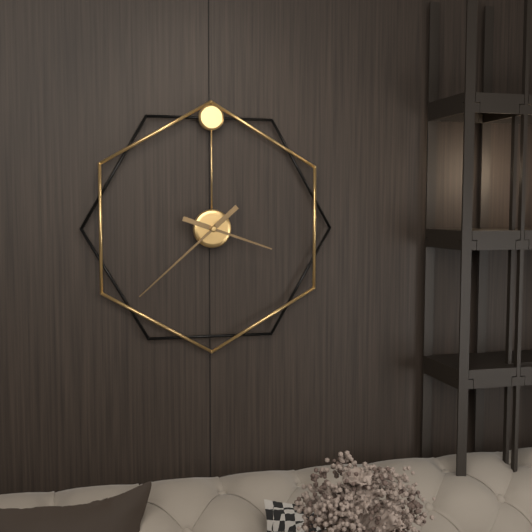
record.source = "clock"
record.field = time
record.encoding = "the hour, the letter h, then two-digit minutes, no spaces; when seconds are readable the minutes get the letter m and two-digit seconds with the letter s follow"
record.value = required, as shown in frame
3h38
